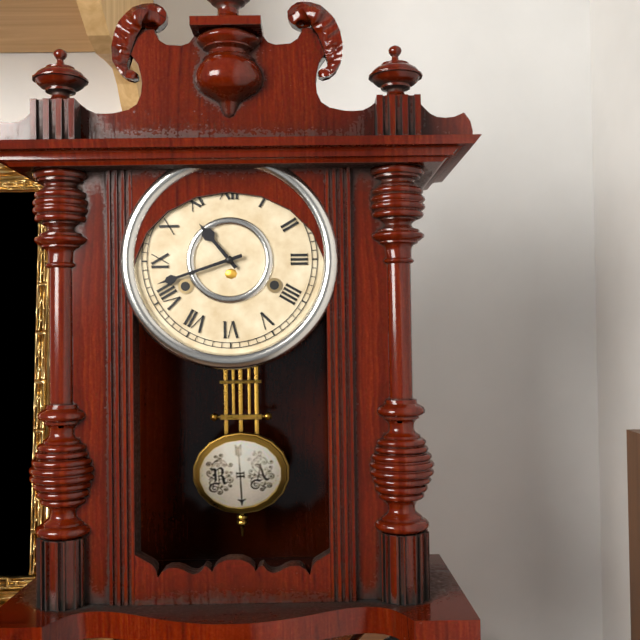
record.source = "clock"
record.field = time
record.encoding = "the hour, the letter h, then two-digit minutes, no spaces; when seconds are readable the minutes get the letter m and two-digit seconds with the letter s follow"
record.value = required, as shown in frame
10h42
